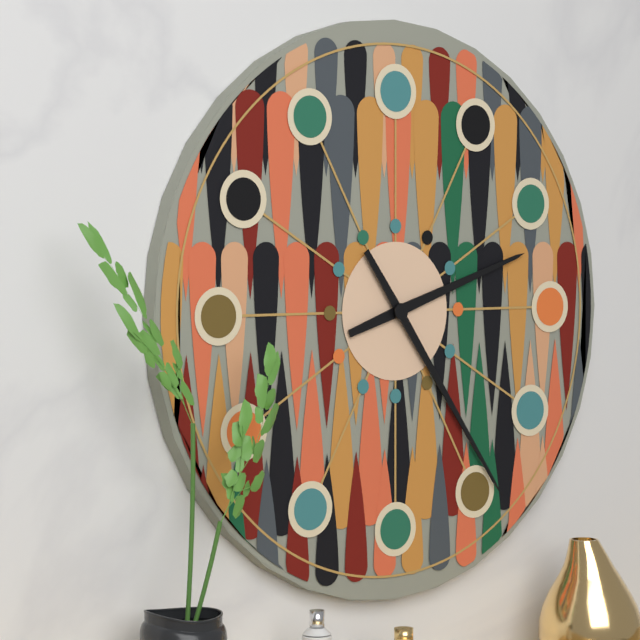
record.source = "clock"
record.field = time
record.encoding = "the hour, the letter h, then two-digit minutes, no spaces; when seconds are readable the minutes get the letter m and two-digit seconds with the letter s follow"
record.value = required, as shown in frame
2h24
